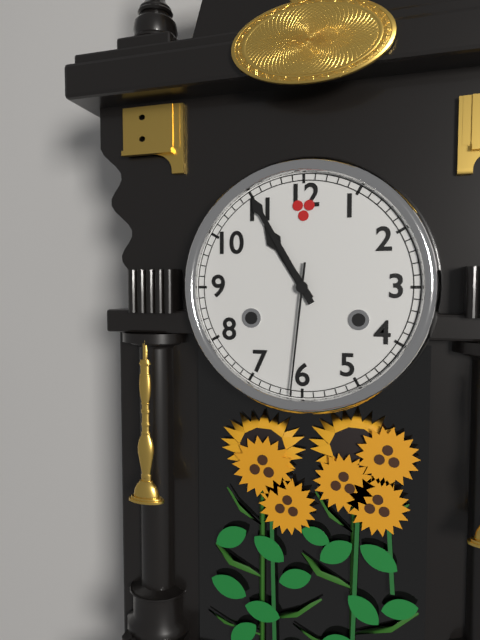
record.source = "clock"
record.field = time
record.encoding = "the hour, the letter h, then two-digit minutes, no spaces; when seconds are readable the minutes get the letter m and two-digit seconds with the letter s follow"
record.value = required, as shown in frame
10h55m31s
